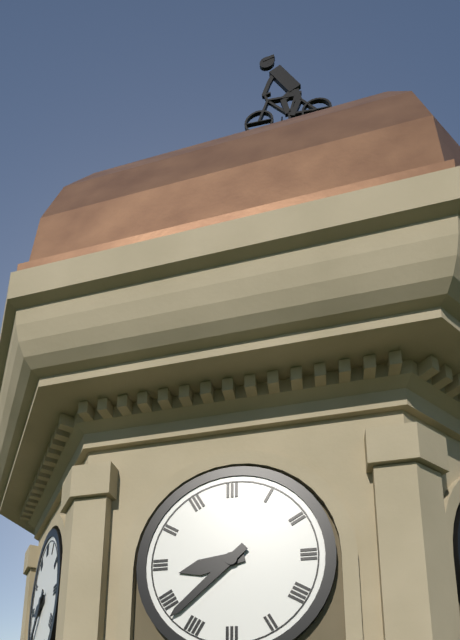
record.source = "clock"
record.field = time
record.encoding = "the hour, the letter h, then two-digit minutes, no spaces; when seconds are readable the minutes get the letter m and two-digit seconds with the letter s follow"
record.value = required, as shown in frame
8h38
